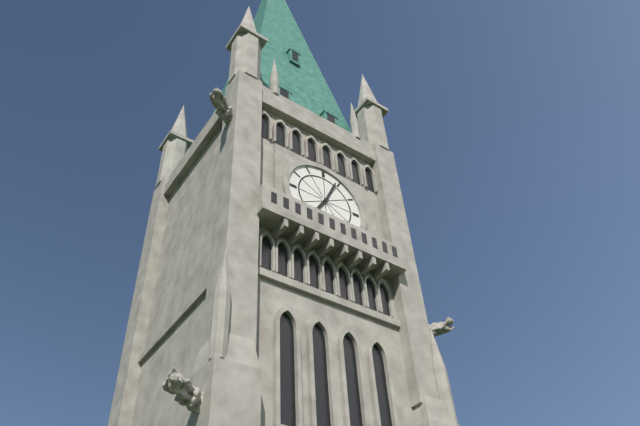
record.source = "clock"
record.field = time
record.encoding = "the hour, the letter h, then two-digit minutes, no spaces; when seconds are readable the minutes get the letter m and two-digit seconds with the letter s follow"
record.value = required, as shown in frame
7h04
